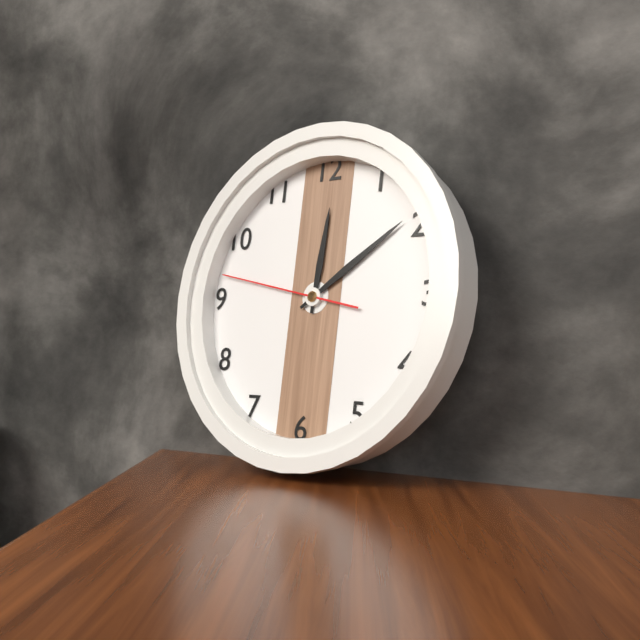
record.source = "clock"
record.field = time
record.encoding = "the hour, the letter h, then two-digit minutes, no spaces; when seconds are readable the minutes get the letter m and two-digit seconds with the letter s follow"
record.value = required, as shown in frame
12h09m47s
